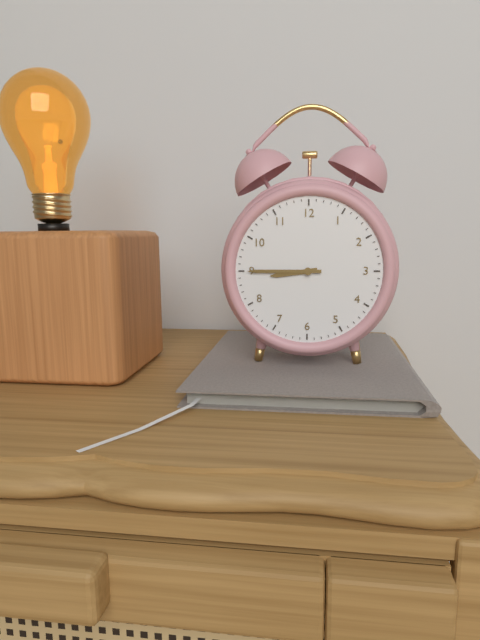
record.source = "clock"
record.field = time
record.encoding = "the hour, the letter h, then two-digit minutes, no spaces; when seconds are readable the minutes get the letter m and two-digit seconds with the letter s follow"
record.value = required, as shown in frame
8h45
